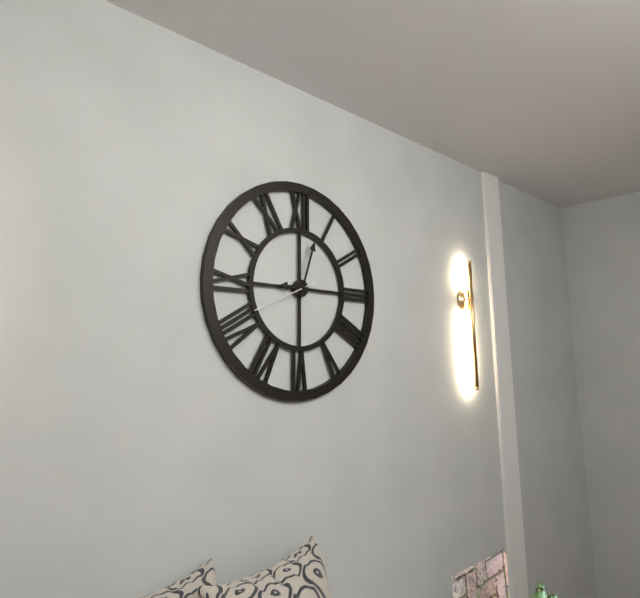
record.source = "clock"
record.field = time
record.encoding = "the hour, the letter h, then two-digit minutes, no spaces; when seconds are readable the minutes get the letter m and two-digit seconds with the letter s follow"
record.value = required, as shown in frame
9h03m41s
